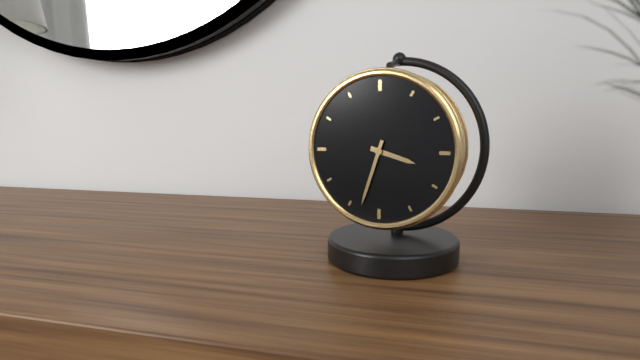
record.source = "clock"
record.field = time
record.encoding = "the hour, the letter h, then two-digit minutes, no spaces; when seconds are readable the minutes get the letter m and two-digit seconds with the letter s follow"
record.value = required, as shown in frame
3h33
